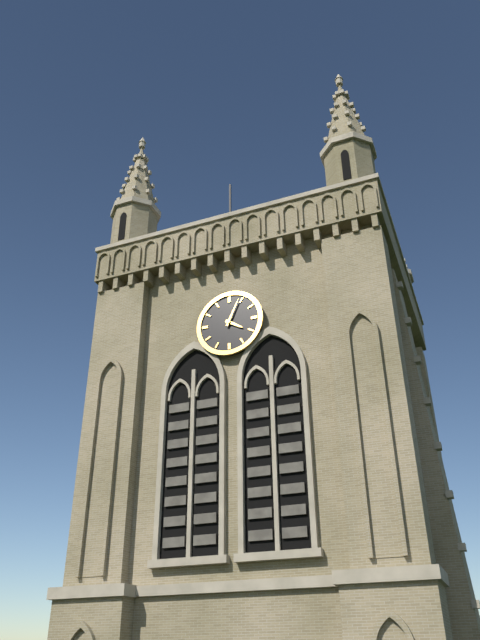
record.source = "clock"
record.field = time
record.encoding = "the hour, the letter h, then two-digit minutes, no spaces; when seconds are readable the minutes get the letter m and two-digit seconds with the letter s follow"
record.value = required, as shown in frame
4h04
